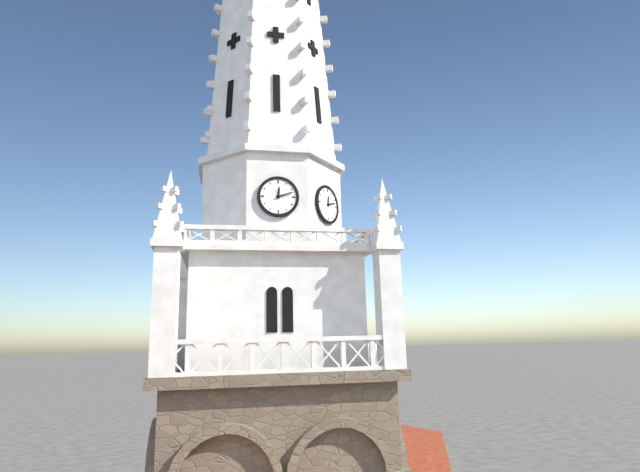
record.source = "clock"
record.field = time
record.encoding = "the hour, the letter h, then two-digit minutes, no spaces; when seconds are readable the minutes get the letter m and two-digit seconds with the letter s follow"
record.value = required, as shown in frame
12h12
